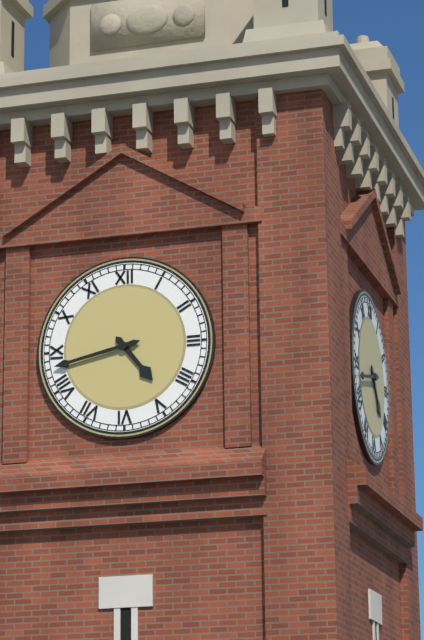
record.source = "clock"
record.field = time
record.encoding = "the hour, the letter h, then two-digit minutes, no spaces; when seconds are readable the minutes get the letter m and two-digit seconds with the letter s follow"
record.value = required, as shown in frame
4h43
